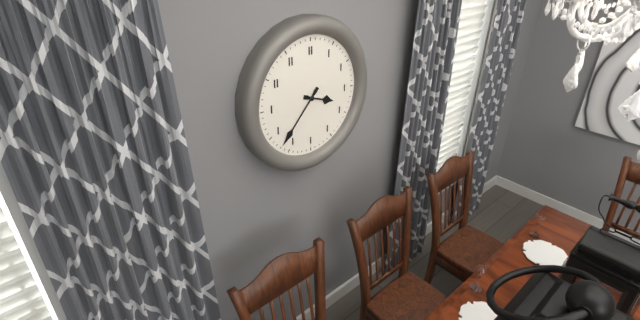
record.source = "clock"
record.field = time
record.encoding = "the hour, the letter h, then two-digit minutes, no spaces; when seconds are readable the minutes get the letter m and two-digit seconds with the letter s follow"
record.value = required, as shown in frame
3h37
